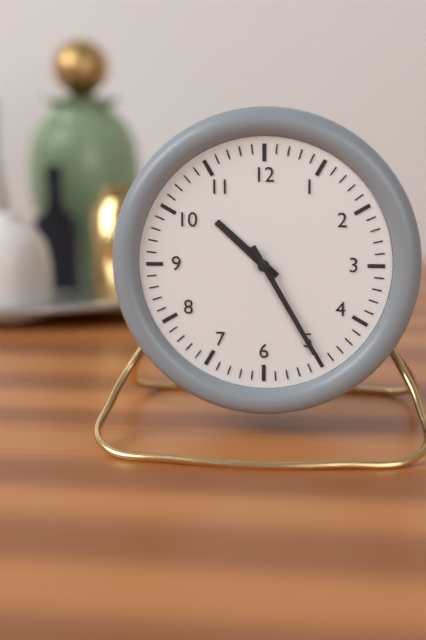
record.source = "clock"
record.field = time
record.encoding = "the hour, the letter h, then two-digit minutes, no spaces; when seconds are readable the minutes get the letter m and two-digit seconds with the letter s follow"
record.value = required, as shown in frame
10h25
